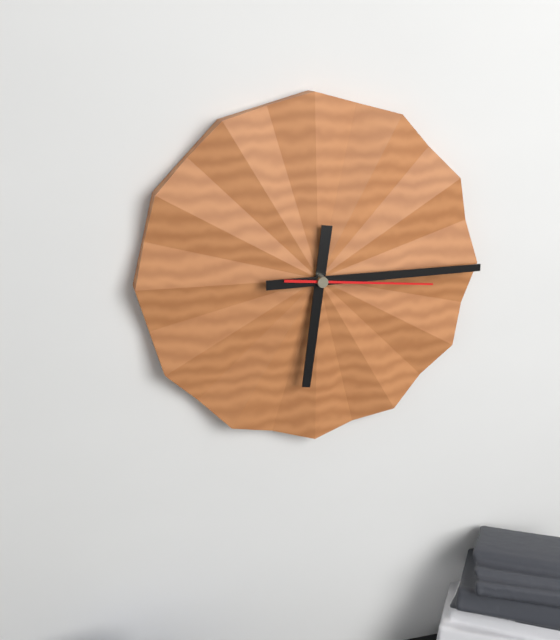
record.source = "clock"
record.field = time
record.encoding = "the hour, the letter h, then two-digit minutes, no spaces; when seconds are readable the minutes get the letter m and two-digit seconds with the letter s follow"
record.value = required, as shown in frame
6h15m16s
